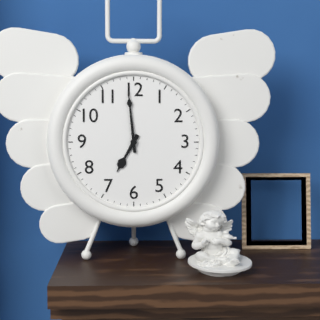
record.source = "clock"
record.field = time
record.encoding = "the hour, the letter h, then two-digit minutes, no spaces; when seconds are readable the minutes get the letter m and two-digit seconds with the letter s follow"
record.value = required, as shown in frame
6h59
